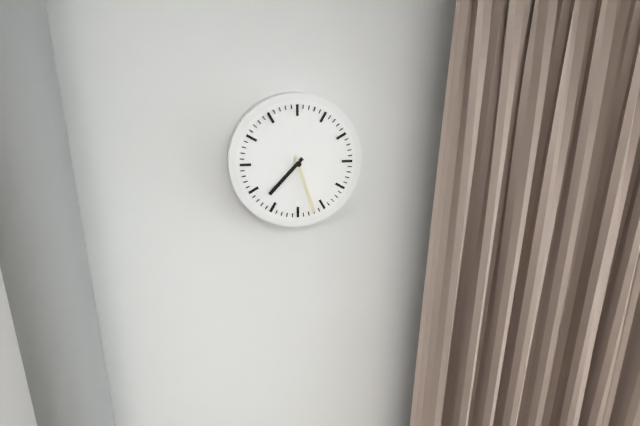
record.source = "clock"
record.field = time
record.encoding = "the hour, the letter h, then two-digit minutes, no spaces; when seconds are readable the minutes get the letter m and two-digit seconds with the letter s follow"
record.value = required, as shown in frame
7h27
